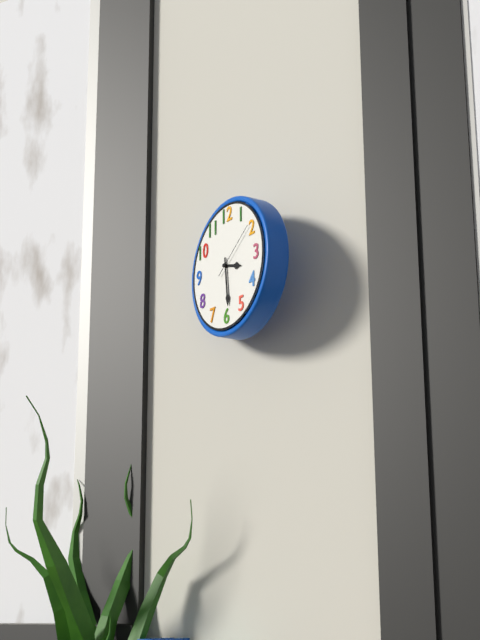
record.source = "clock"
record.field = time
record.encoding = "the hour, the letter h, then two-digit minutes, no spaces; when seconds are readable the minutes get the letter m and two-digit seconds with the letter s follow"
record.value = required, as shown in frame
3h29m09s
